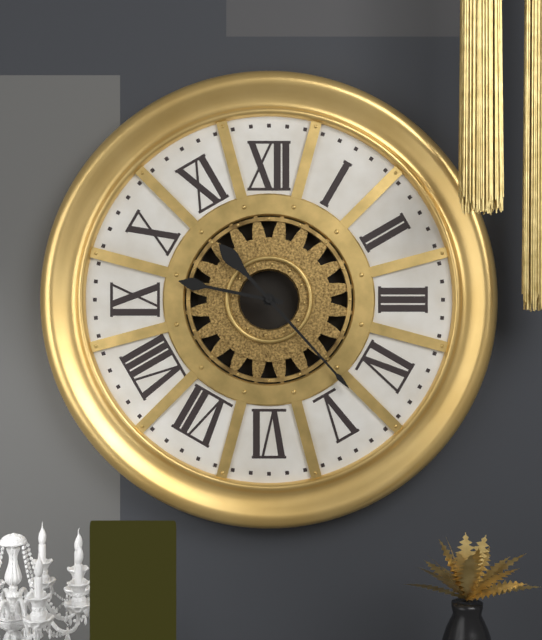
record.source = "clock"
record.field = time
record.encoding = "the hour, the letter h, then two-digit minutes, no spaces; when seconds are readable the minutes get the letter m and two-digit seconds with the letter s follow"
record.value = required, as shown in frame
9h23
